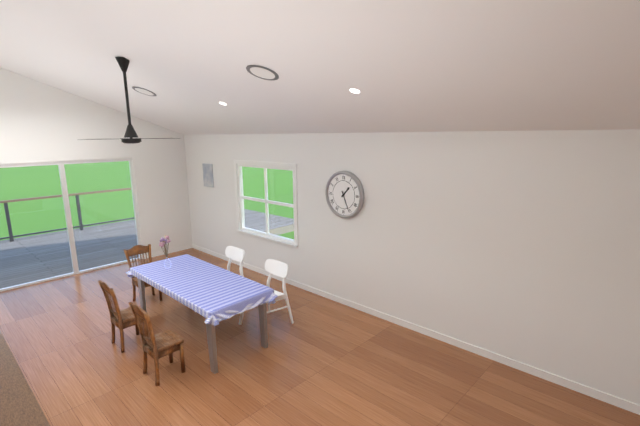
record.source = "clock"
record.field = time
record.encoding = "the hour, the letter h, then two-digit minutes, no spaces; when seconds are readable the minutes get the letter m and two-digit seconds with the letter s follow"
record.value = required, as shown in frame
1h26
